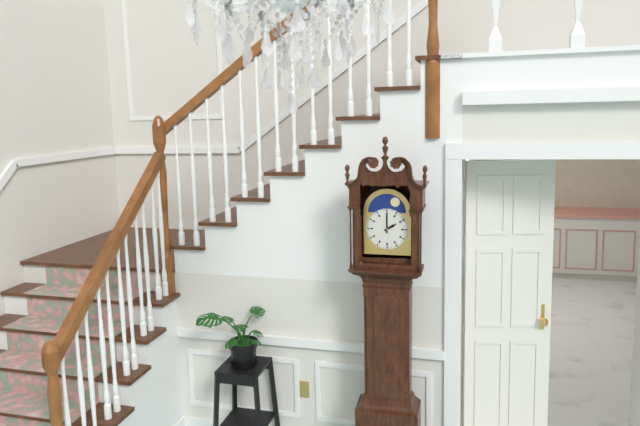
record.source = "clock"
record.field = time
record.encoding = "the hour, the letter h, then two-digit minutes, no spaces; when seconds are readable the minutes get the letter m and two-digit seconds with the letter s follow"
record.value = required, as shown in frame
2h00
